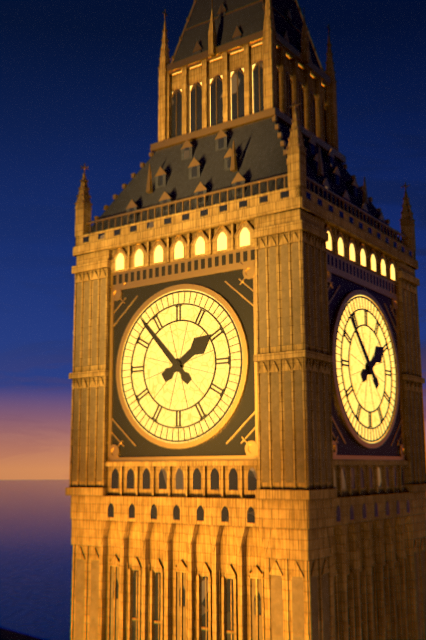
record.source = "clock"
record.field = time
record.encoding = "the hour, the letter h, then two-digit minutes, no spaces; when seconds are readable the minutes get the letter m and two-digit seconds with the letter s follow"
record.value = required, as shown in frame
1h53
